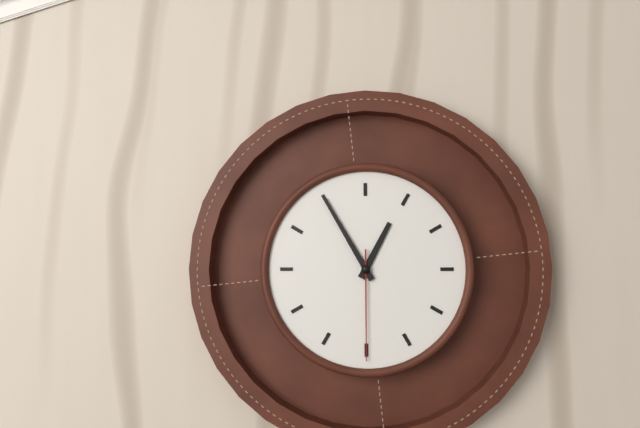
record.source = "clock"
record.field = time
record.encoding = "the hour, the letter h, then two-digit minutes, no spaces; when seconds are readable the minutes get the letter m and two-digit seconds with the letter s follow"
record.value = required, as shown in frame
12h55m30s
